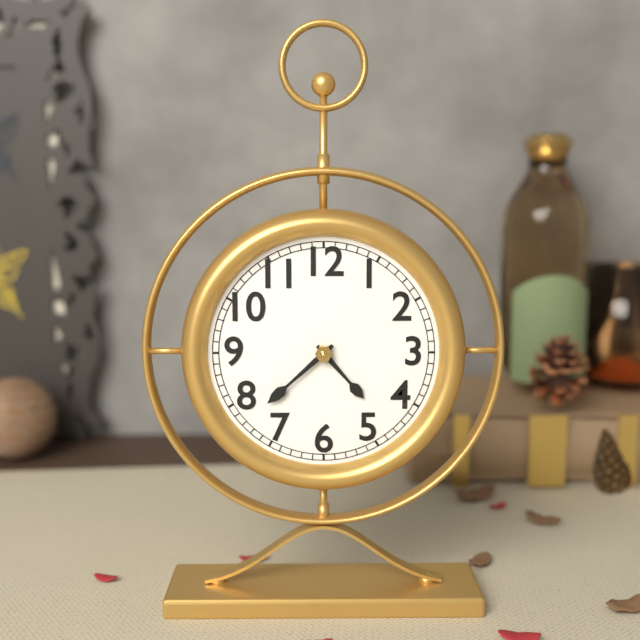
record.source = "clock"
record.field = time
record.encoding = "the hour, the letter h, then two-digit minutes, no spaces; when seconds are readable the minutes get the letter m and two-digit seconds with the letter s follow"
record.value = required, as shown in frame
4h38
